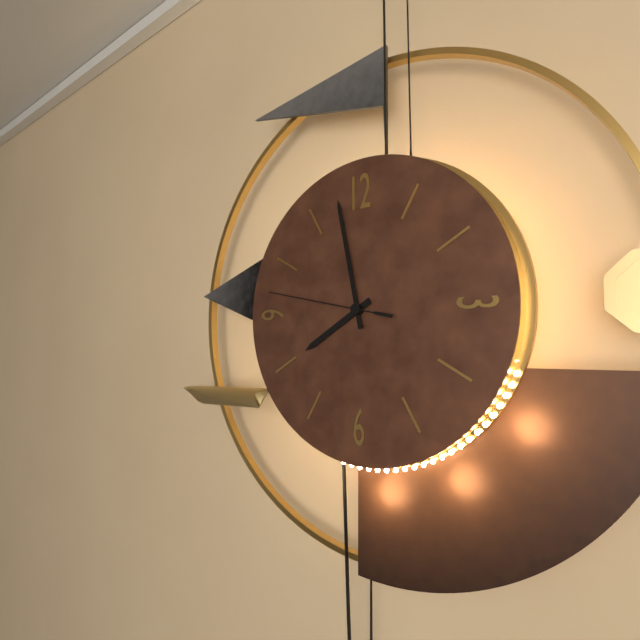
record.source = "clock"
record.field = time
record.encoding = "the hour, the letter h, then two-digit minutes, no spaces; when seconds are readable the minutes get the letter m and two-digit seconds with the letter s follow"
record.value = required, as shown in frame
7h58m47s
